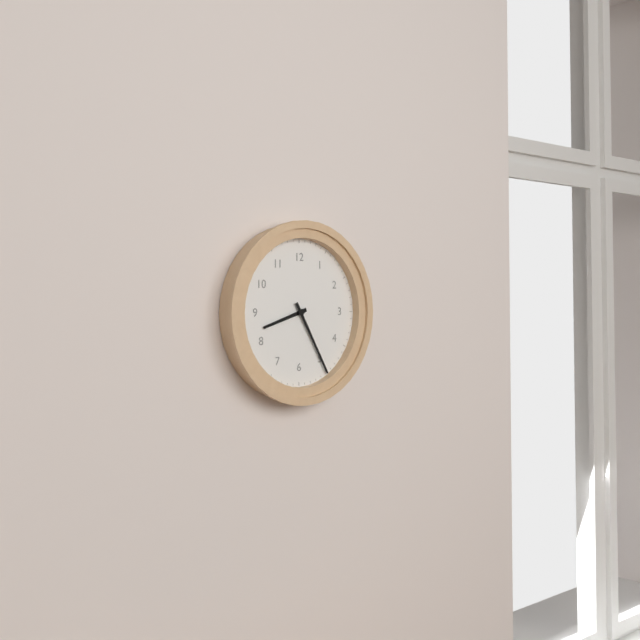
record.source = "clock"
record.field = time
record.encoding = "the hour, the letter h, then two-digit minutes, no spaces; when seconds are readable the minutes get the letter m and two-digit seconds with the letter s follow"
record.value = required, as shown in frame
8h25
